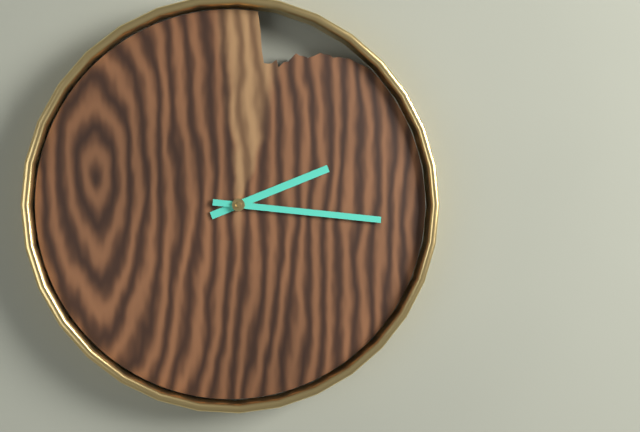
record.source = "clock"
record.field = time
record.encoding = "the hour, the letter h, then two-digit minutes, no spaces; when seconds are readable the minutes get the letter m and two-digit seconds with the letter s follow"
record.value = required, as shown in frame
2h16
